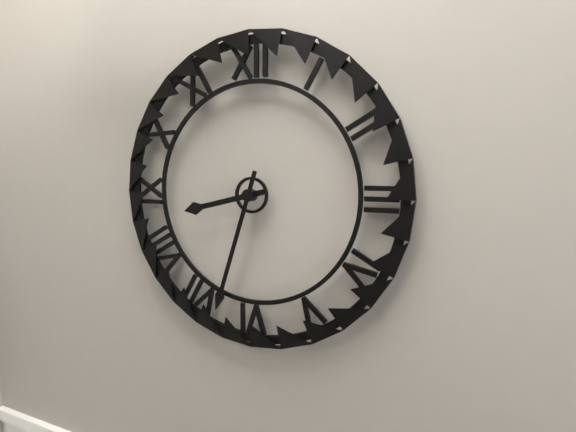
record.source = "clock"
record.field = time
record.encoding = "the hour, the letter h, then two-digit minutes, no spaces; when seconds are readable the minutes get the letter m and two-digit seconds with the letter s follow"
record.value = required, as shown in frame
8h33
